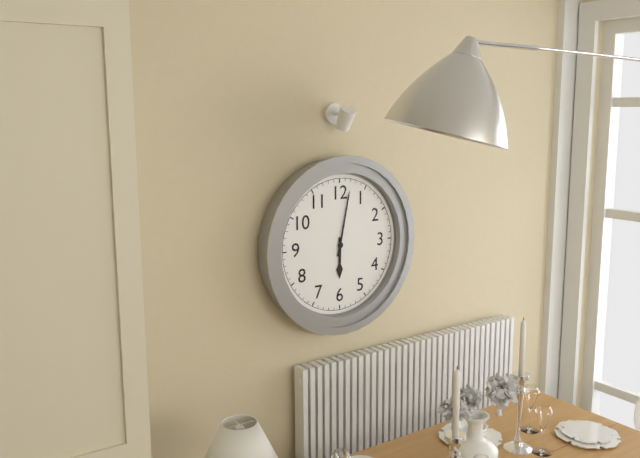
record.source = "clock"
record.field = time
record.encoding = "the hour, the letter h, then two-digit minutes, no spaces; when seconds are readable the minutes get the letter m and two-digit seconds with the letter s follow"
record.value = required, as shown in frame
6h02
